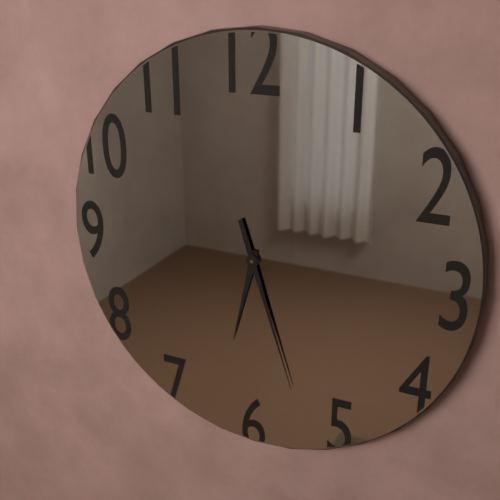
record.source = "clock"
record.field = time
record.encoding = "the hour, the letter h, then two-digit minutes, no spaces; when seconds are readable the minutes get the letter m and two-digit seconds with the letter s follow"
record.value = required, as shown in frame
6h27
